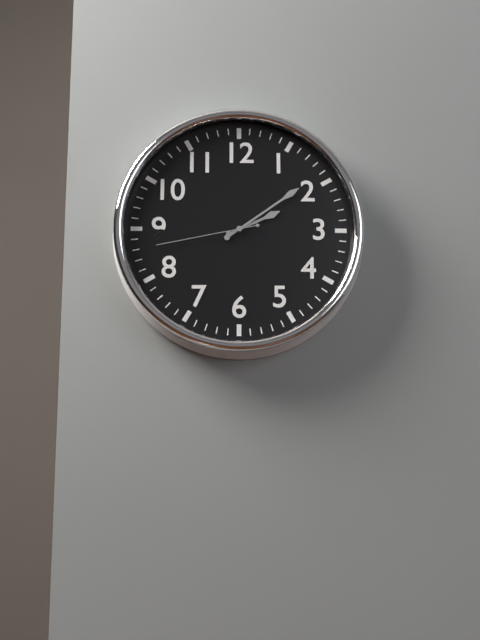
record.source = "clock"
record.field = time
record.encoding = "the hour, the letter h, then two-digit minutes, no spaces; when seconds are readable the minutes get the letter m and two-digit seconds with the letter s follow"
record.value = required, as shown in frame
2h09m43s
